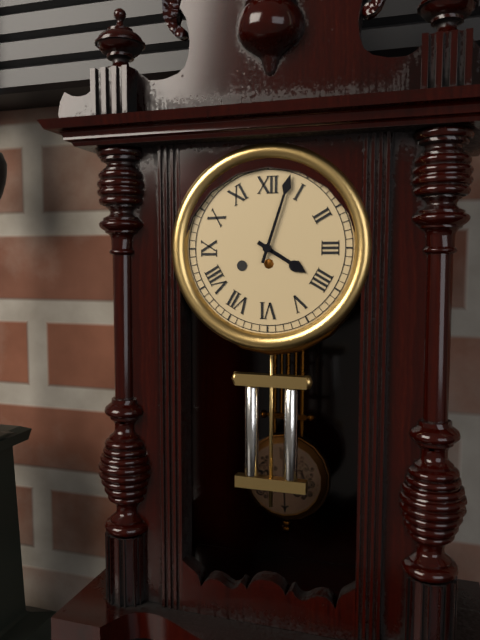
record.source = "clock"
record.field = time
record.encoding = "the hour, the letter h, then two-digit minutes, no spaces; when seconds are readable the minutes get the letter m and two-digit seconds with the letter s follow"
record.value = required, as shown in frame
4h03
